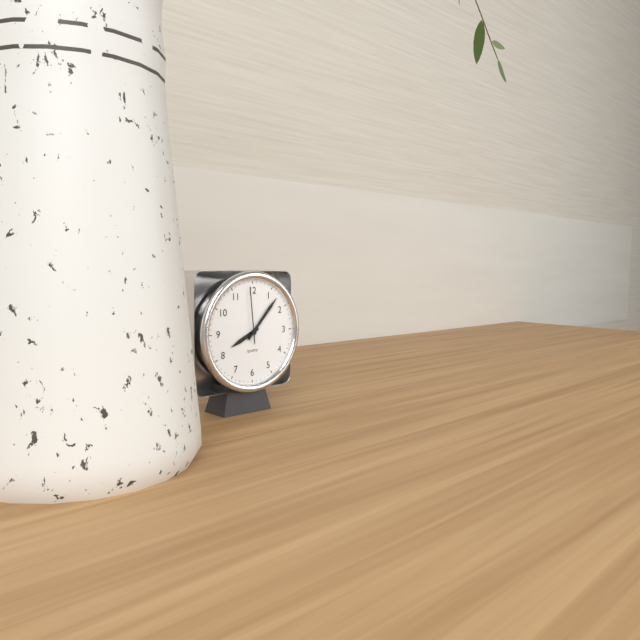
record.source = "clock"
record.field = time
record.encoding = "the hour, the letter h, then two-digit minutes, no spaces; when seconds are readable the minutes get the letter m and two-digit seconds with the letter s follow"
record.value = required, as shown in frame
8h07m59s
